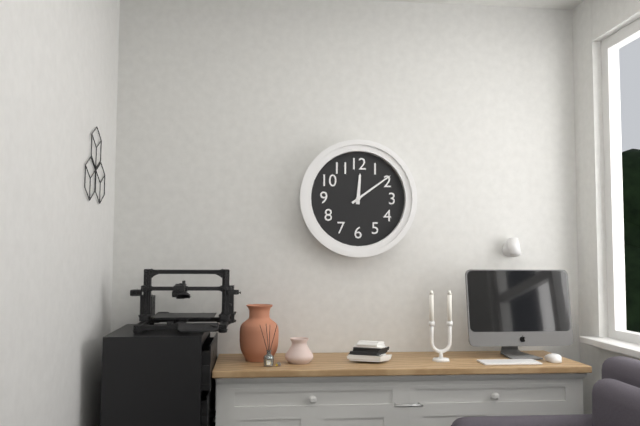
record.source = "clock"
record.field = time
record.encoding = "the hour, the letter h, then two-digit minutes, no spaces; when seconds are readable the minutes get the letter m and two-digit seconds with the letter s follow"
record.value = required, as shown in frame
12h09
